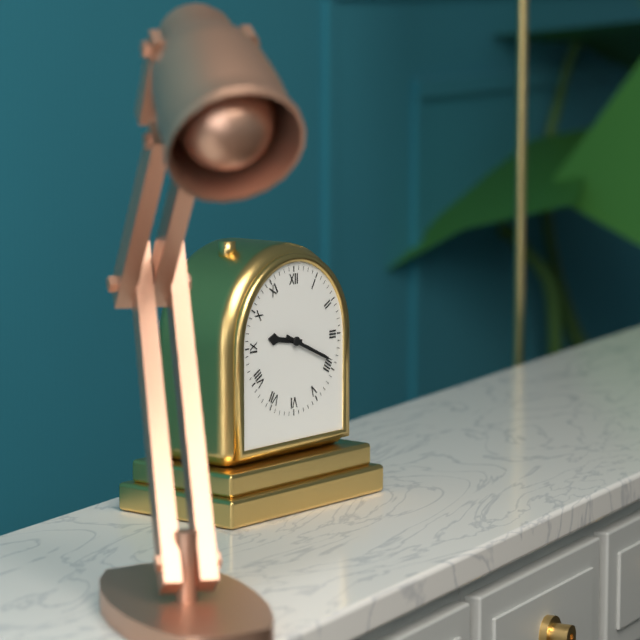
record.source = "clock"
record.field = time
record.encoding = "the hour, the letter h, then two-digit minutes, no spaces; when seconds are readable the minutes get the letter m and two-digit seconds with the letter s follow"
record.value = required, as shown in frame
9h19
